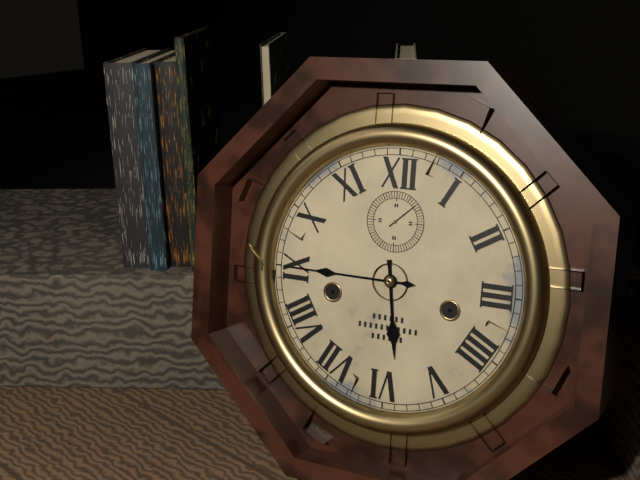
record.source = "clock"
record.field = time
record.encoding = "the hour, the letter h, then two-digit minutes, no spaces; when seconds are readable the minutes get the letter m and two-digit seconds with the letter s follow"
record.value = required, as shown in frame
5h45
